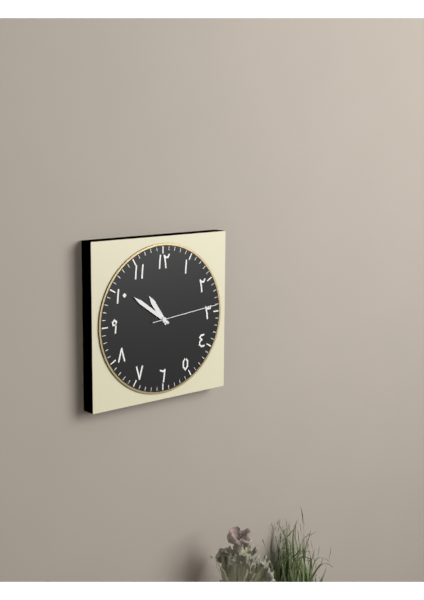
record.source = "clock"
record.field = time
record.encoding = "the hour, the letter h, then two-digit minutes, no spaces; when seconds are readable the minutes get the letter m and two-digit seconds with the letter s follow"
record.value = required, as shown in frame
10h51m14s
